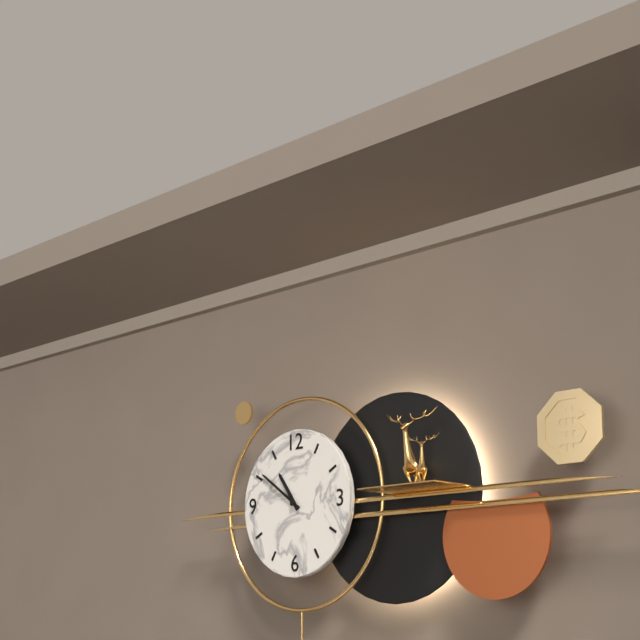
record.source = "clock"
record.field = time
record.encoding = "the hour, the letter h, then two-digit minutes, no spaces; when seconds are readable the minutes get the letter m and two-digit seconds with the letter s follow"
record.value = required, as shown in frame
10h51
